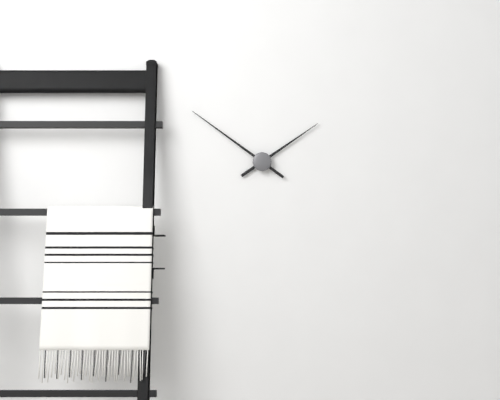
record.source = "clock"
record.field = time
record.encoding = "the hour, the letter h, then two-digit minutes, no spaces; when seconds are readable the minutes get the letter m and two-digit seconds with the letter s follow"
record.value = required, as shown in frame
1h51
